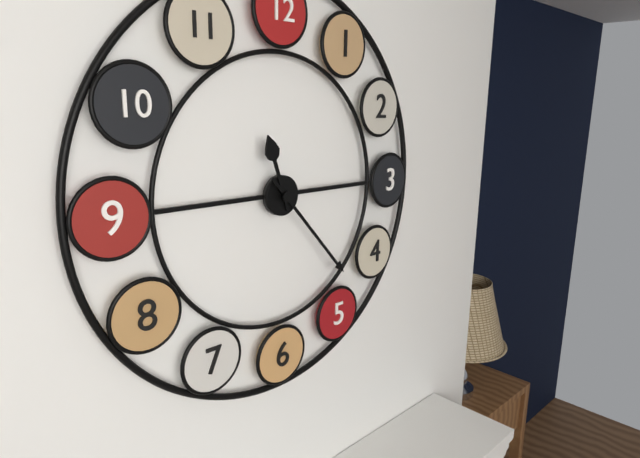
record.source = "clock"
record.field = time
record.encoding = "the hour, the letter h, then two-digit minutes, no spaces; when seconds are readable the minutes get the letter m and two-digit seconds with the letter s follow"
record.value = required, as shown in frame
11h23
